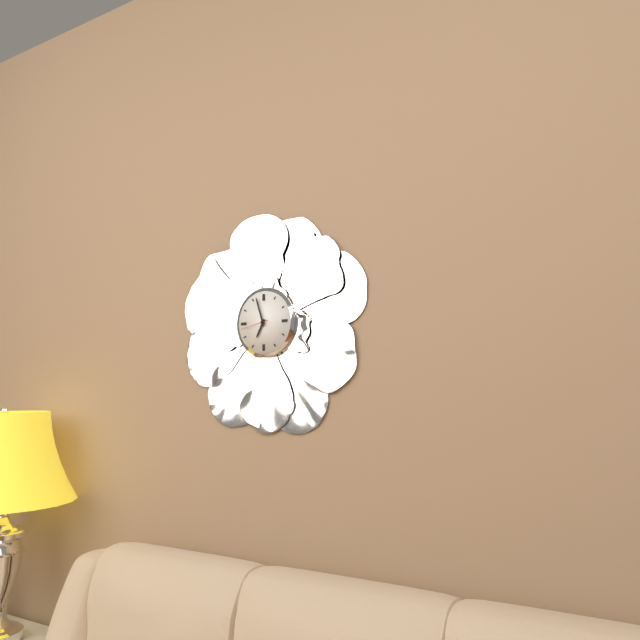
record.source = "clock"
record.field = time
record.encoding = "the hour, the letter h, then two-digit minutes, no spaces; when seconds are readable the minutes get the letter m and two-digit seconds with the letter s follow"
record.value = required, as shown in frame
6h57
